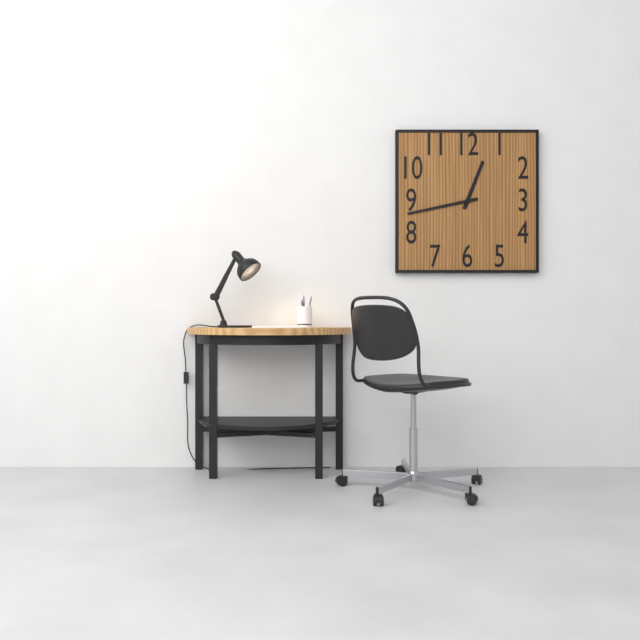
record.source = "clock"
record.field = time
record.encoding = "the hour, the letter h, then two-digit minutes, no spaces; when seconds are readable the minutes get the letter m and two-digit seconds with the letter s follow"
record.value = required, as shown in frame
12h43
